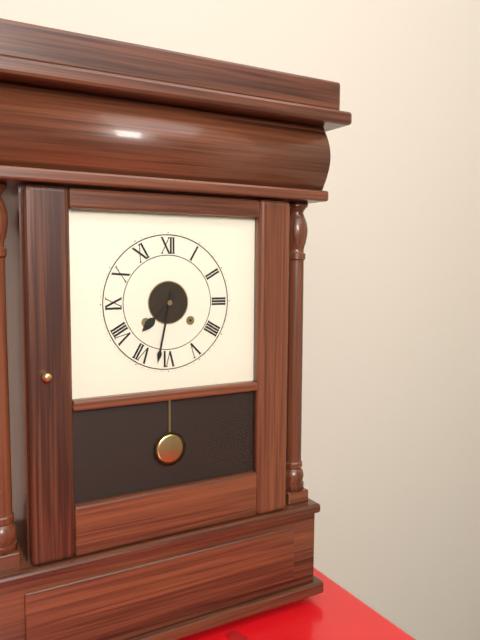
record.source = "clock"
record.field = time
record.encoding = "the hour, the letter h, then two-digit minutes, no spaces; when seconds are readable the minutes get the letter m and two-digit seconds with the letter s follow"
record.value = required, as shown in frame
7h32
